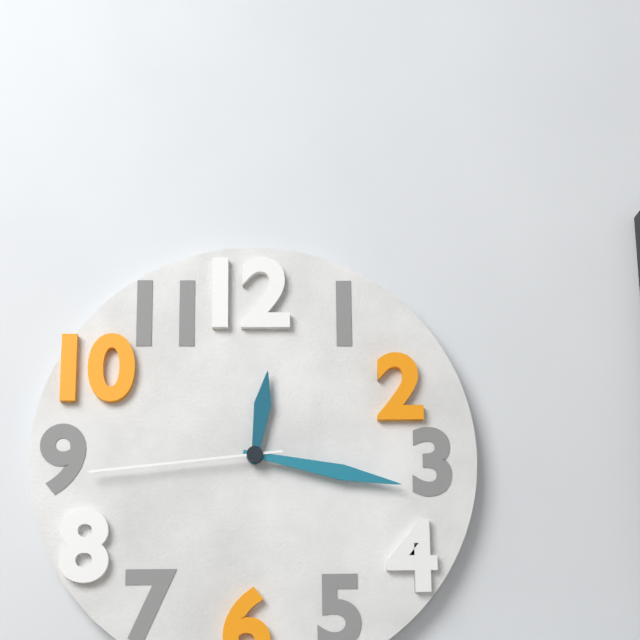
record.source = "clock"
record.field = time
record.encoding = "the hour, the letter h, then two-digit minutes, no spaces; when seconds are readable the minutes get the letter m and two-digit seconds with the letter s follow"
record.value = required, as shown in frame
12h17m44s
